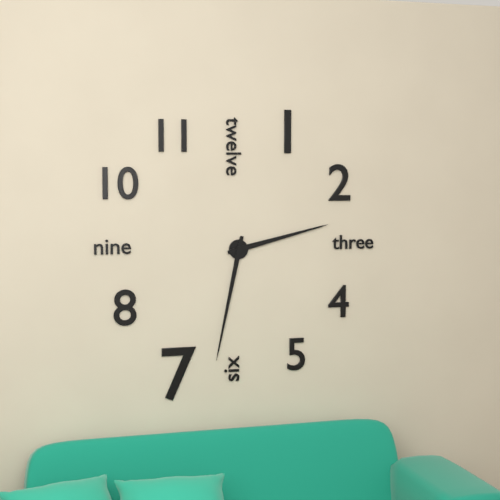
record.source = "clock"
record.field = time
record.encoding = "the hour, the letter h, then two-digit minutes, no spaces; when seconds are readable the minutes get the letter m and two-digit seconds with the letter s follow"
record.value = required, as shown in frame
2h32
